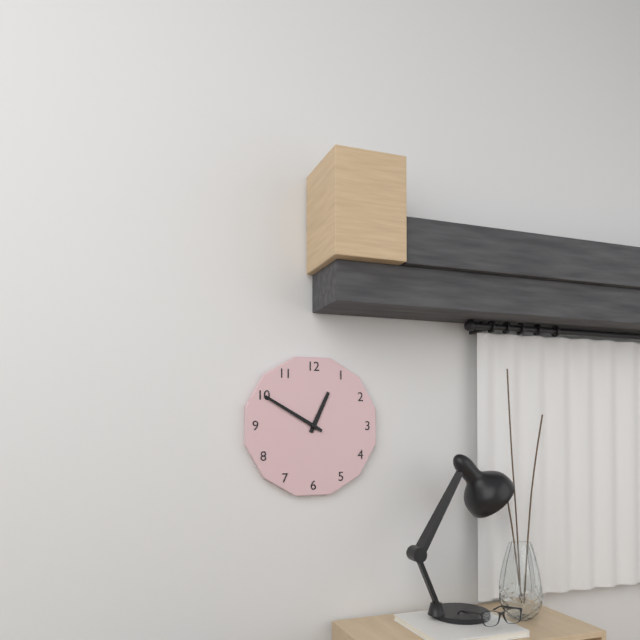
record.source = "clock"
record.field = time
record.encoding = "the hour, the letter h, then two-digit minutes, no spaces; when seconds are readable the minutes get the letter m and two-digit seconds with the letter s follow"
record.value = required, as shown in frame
12h50
